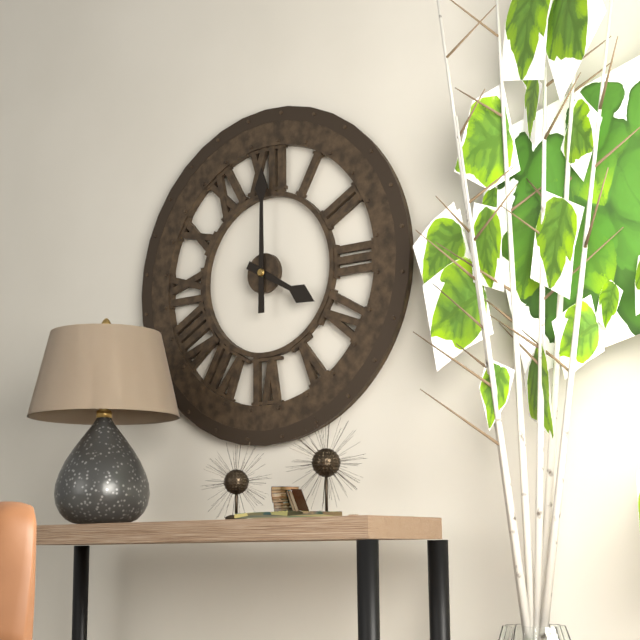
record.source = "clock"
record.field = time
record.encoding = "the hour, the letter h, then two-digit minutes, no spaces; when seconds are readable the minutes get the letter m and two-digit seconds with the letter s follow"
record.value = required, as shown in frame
4h00
